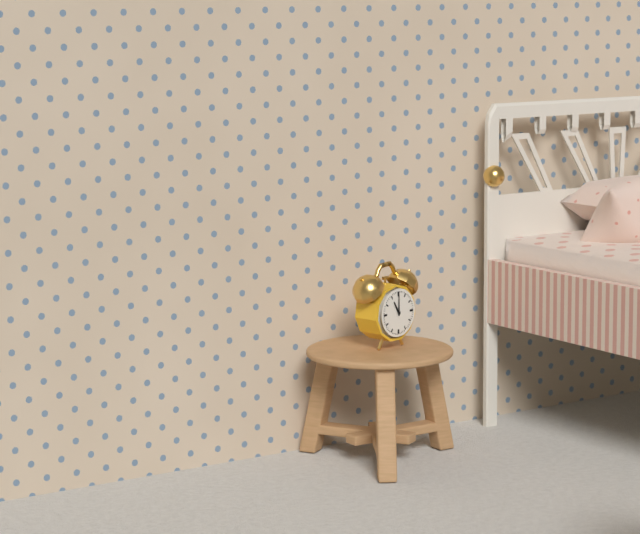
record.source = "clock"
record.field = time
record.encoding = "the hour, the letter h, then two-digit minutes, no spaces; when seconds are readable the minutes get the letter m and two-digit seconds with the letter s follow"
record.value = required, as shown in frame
11h00
